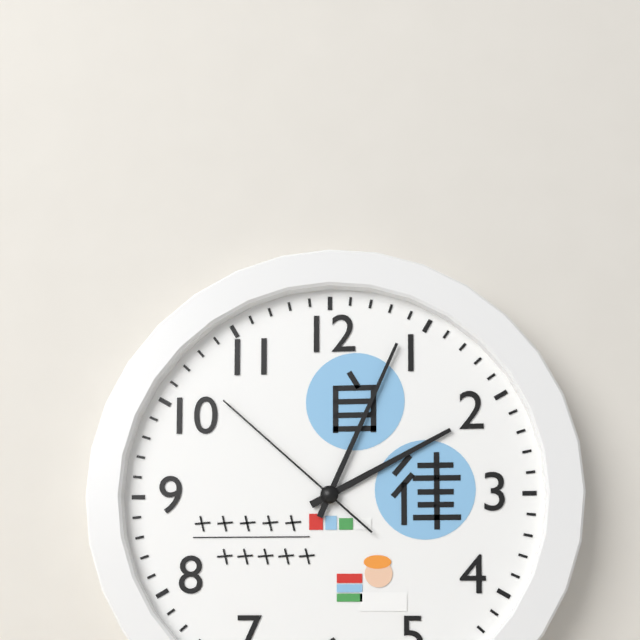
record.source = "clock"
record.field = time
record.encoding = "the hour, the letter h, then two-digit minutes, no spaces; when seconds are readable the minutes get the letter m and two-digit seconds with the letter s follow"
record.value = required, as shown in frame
2h04m52s
